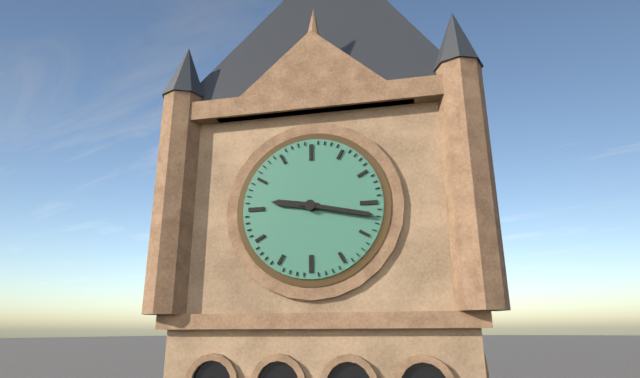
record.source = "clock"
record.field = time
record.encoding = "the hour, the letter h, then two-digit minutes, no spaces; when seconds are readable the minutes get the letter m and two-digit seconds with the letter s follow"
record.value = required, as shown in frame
9h17
